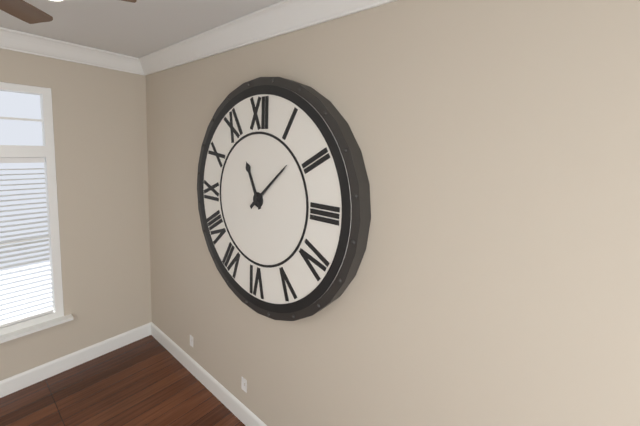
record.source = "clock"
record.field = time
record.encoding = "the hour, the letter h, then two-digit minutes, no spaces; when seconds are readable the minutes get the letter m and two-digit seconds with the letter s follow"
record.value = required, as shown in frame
11h08
